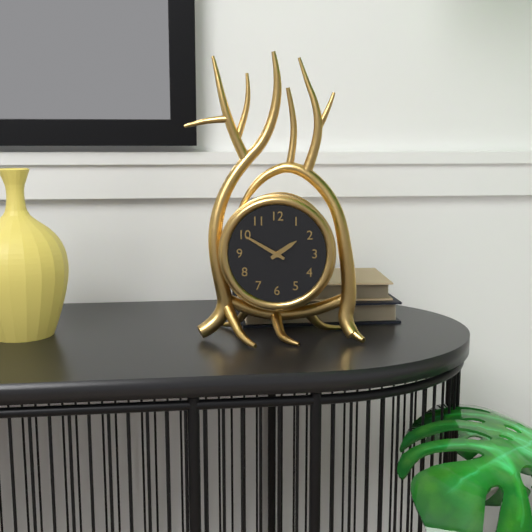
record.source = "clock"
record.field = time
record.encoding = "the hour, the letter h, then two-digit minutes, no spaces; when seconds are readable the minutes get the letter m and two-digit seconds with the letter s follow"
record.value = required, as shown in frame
1h50
